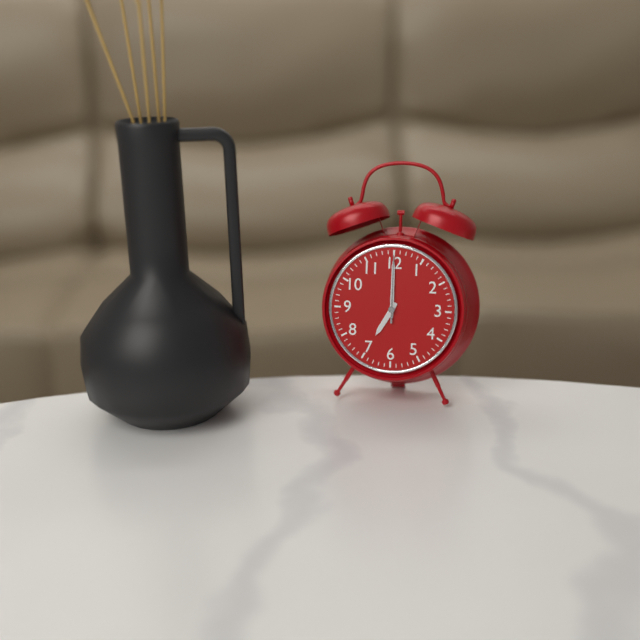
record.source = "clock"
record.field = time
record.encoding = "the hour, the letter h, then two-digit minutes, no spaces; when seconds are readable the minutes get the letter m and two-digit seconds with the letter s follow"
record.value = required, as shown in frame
7h00m00s
